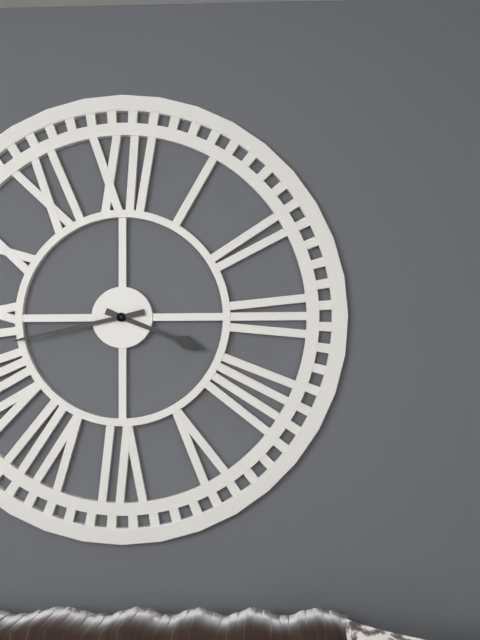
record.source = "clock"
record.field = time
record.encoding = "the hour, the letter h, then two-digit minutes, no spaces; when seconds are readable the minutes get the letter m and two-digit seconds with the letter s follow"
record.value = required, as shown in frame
3h43
